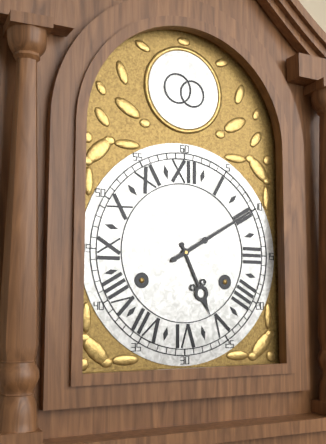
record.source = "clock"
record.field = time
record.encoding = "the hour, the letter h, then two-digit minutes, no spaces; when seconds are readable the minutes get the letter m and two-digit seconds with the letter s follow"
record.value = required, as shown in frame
5h10
